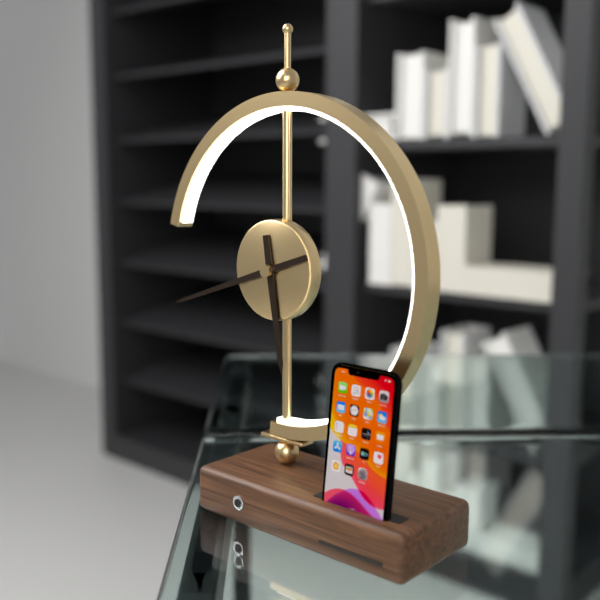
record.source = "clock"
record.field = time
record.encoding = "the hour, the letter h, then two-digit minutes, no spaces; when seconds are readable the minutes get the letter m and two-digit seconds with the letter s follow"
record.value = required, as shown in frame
5h42
